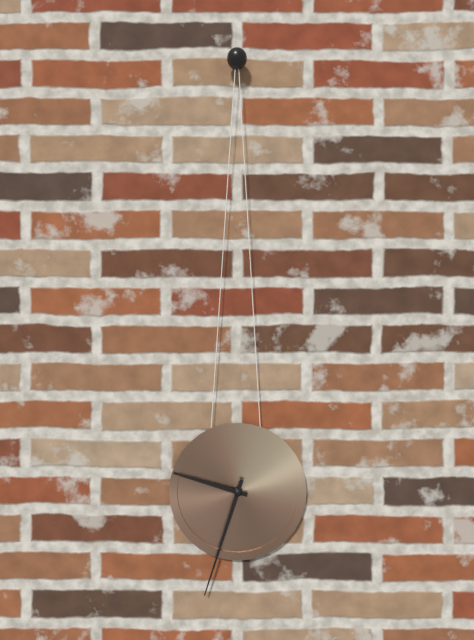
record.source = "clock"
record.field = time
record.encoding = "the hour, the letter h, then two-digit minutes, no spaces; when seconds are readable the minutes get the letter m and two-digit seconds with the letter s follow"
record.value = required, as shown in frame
9h33
